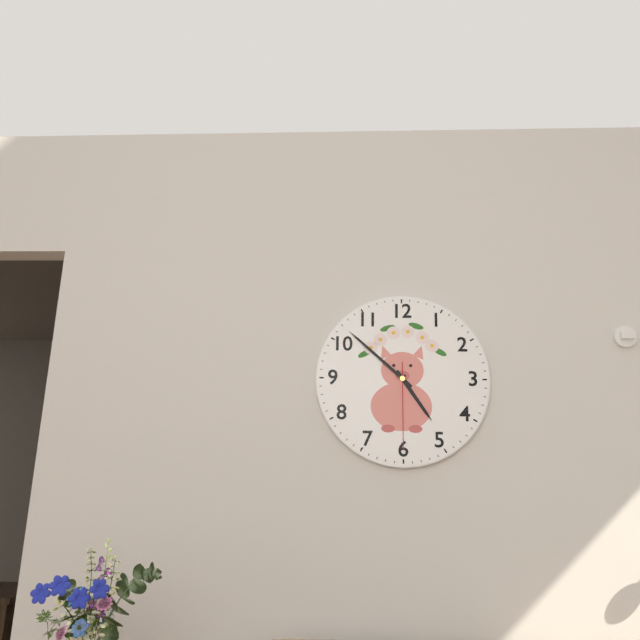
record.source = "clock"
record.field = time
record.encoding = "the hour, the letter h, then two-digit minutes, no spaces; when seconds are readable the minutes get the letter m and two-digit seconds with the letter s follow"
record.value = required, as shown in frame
4h52m30s
